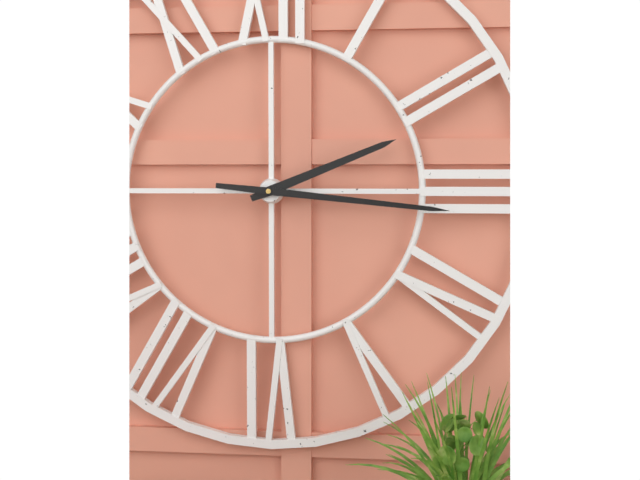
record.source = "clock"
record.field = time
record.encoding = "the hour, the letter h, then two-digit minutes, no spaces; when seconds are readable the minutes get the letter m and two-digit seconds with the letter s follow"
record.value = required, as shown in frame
2h16
